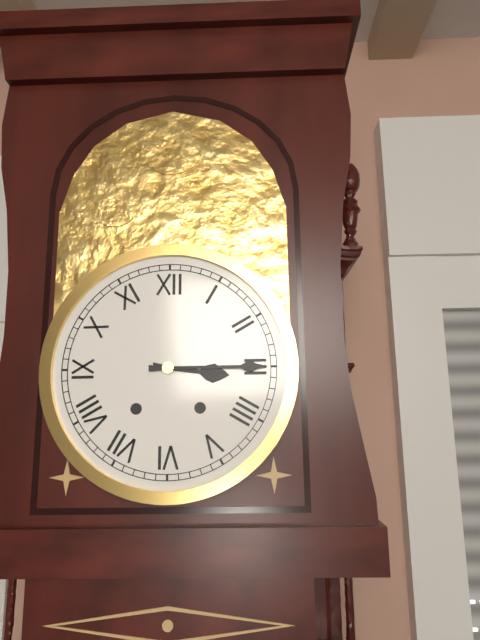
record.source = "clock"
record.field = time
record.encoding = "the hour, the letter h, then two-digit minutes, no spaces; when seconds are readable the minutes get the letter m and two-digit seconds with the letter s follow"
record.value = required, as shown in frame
3h15
